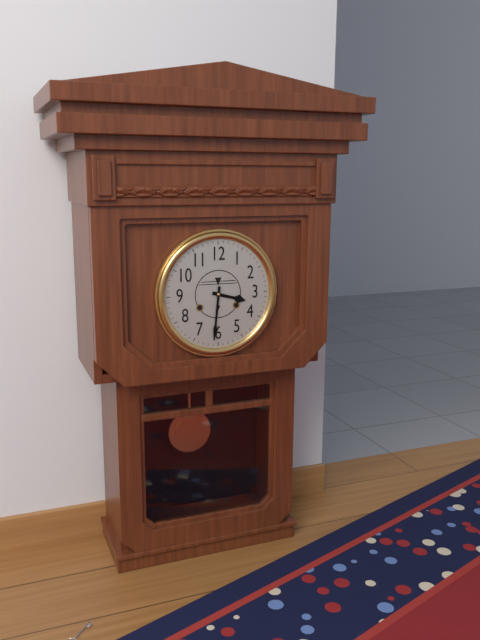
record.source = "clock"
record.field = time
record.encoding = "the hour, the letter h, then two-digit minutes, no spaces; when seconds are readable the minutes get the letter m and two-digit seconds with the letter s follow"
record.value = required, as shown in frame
3h31
